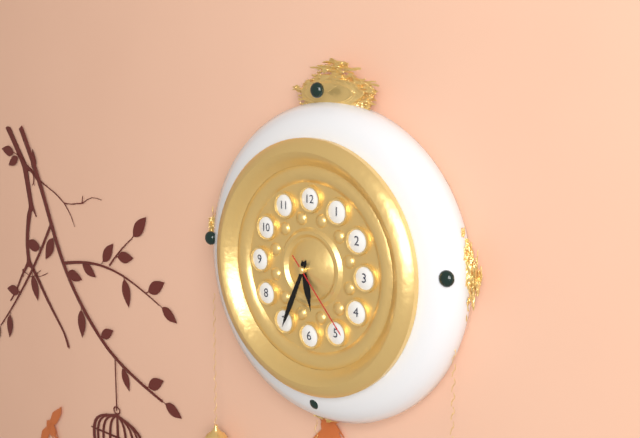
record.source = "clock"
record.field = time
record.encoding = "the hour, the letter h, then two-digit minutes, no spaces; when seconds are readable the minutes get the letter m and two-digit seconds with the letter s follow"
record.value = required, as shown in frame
5h34m23s
